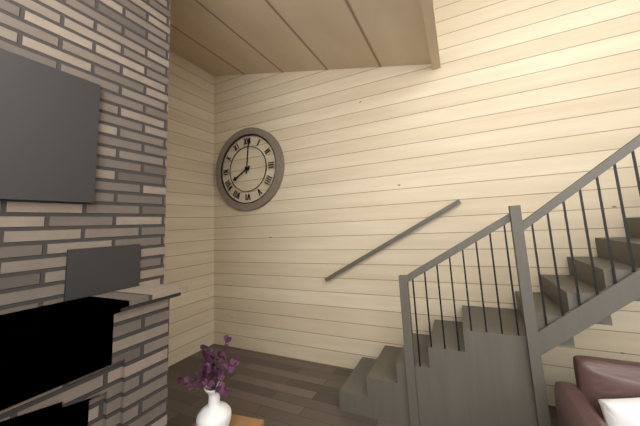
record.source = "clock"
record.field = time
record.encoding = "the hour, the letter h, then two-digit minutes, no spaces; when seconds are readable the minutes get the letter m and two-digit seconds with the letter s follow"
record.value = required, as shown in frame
8h01
